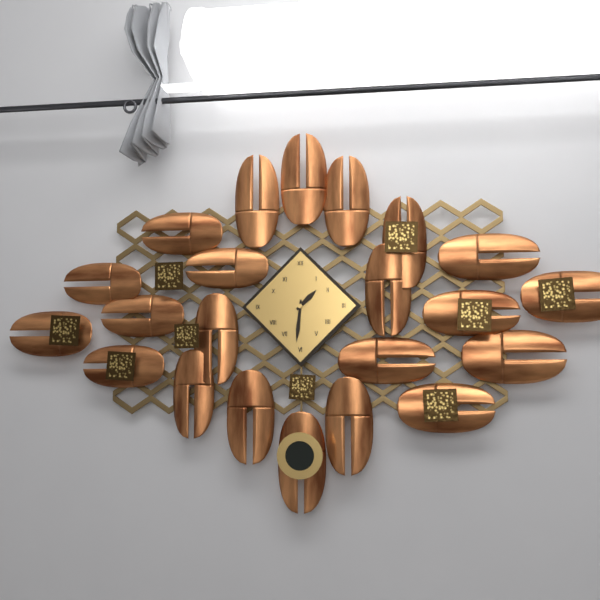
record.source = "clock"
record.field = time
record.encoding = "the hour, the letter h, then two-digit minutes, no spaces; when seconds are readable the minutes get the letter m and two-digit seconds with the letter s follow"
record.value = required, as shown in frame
1h31
